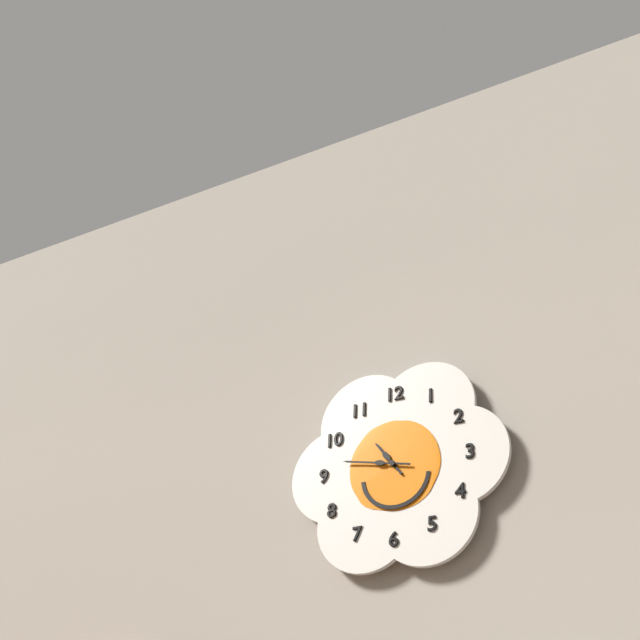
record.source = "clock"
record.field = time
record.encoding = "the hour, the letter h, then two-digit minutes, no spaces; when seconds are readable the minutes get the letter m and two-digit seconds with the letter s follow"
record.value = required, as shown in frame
10h47
